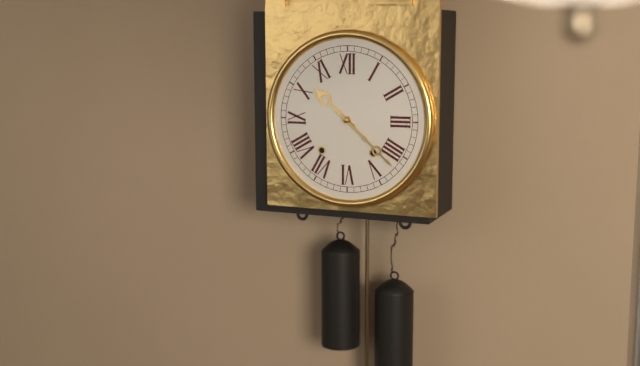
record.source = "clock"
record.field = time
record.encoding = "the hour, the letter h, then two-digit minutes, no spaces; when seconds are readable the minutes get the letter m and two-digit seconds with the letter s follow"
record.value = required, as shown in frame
10h22
